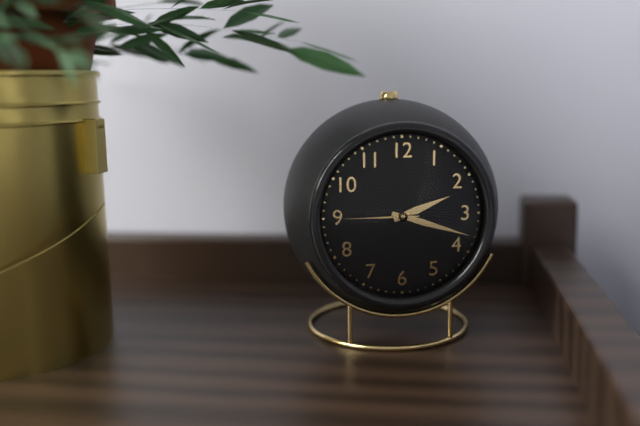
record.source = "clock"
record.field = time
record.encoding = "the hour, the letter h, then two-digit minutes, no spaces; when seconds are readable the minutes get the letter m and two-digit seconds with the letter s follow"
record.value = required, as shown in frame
2h18m45s
